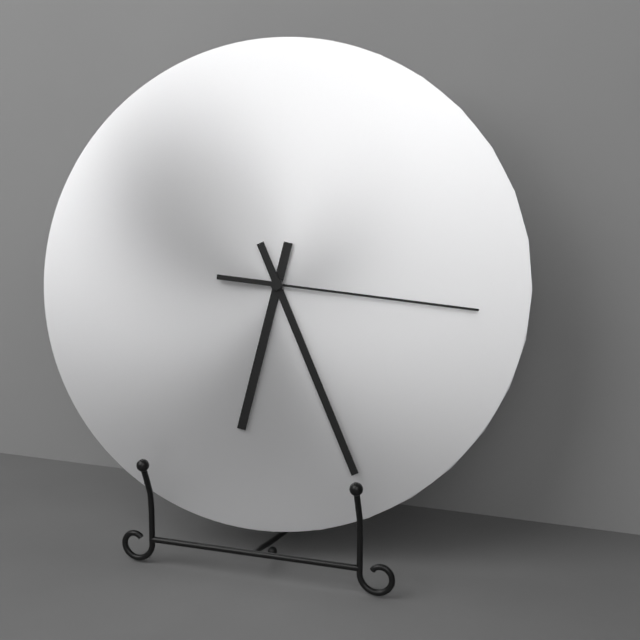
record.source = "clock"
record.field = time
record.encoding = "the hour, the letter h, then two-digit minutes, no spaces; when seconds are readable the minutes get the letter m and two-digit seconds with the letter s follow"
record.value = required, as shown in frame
6h26m16s
